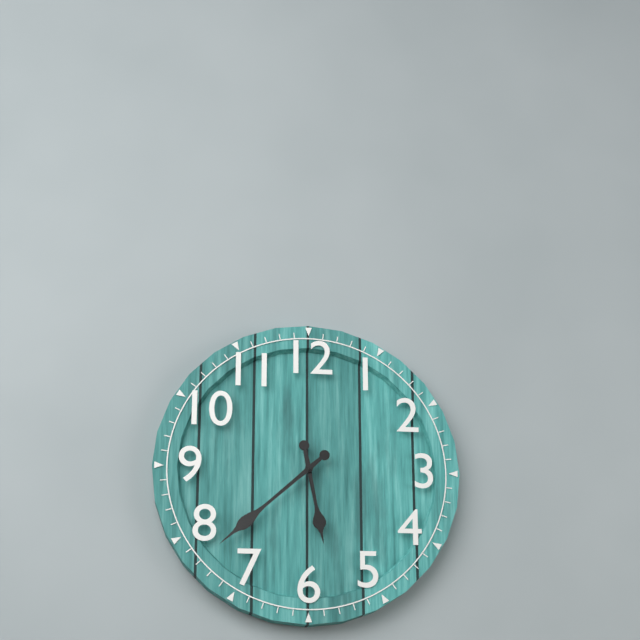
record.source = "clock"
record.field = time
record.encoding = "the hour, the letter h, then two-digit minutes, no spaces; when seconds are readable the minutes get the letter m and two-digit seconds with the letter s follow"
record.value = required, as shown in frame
5h38
